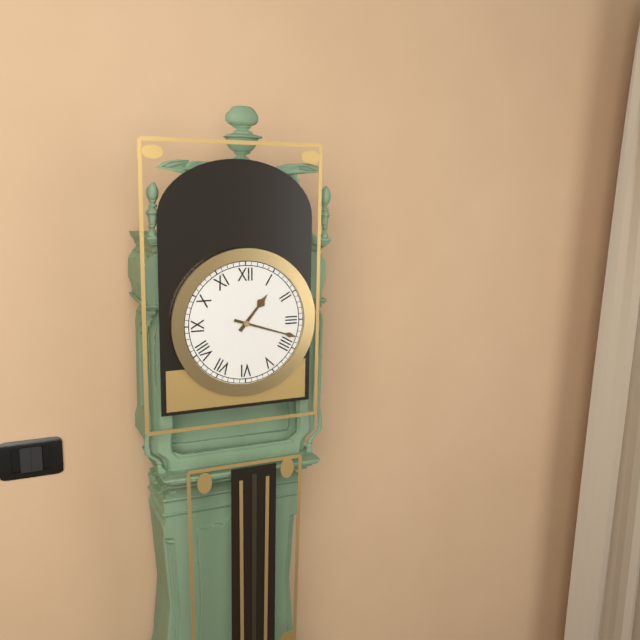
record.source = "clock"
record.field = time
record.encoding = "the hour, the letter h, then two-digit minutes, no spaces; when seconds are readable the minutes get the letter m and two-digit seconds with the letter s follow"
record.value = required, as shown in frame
1h18
